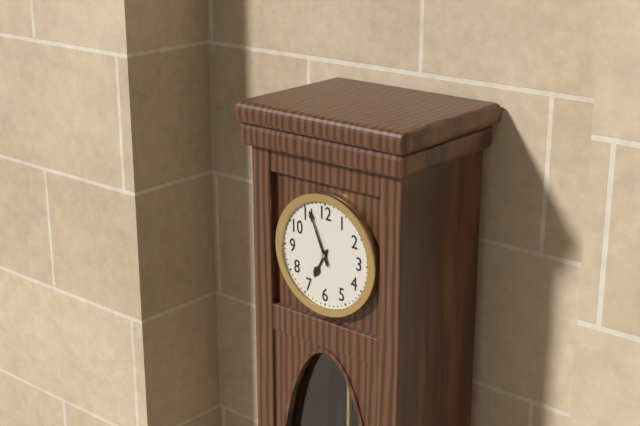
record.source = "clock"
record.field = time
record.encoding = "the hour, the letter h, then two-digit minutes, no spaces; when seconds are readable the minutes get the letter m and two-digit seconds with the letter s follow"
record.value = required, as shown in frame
6h56
